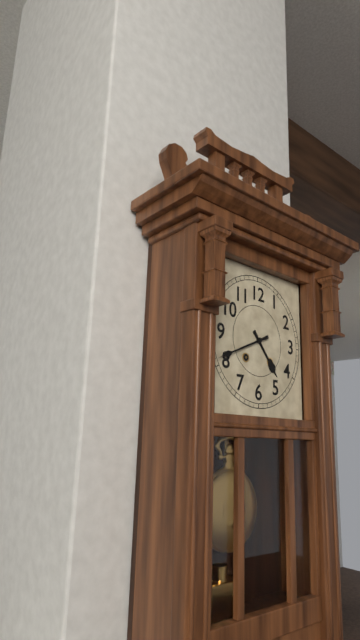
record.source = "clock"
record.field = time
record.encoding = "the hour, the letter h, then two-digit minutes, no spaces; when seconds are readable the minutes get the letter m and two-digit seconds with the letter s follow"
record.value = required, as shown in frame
4h41
